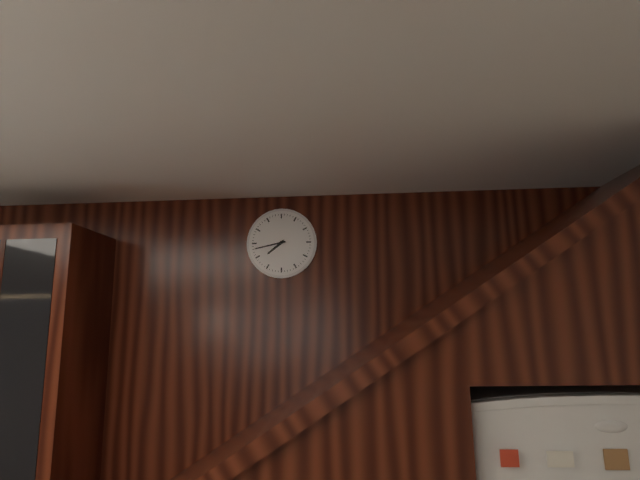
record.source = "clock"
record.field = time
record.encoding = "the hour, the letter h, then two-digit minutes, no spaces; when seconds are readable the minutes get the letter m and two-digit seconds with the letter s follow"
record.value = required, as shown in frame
7h43
